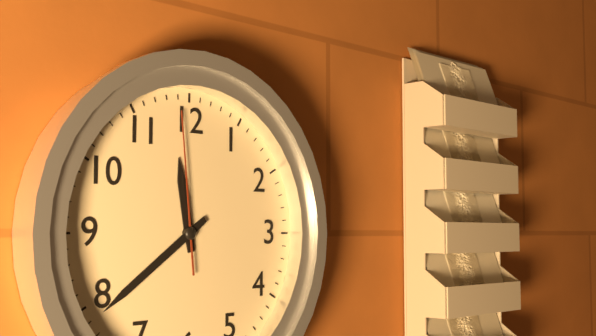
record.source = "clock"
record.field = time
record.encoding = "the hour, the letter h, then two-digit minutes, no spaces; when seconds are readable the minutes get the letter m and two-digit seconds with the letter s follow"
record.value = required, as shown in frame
11h39m59s
